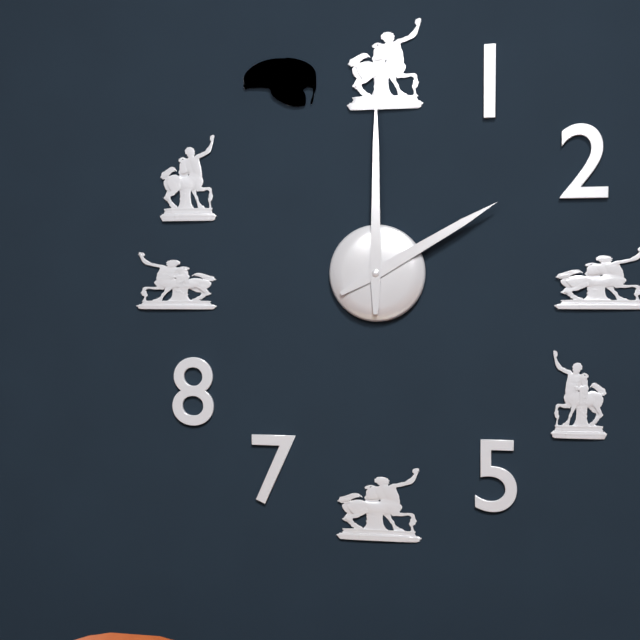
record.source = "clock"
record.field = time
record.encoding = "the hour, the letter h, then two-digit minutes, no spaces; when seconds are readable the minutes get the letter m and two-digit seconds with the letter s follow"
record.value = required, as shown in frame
2h00
